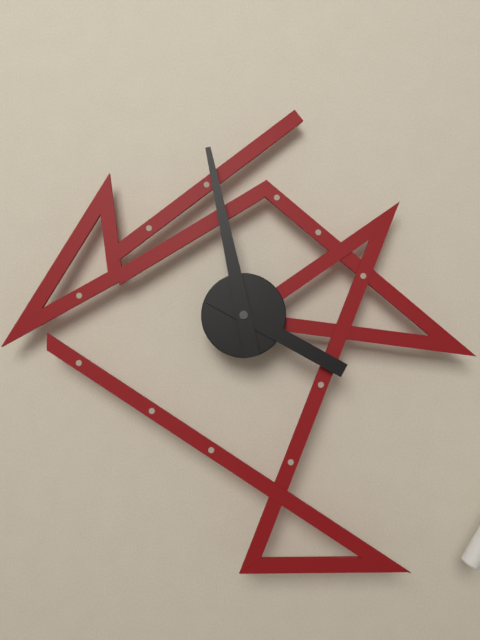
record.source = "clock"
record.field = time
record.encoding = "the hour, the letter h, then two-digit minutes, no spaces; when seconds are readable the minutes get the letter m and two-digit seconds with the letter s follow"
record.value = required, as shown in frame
3h58
